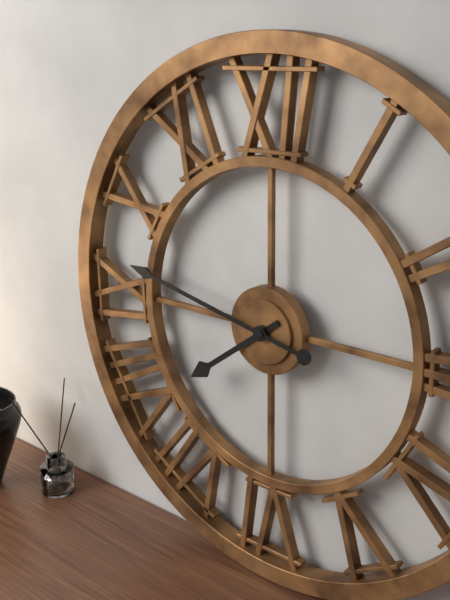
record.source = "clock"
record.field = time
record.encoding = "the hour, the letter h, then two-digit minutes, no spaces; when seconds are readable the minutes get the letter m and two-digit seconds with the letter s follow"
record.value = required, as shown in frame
7h47
